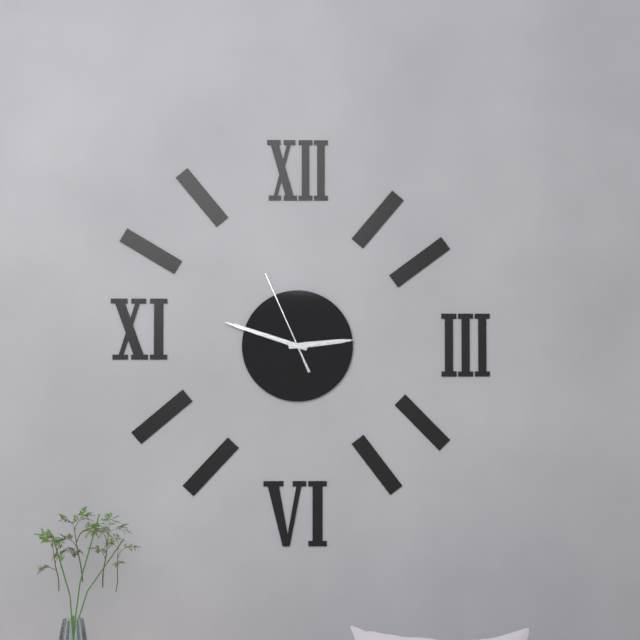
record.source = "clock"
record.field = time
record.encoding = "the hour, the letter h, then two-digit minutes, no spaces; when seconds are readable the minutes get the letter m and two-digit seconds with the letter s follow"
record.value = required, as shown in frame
2h48m56s
